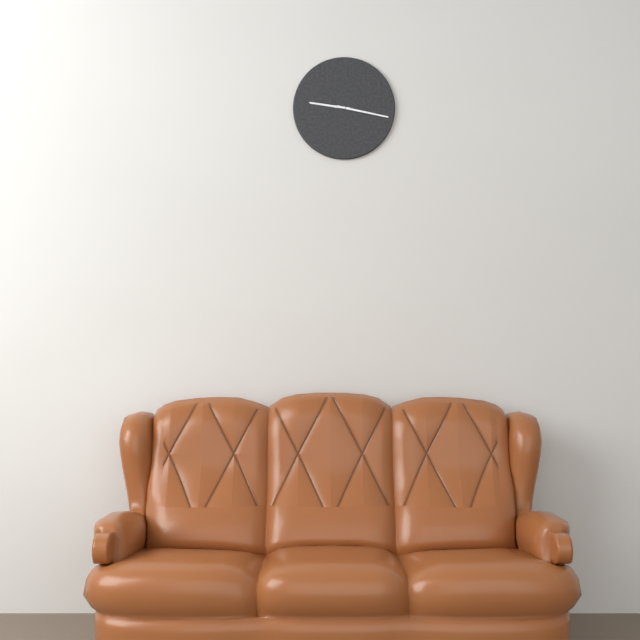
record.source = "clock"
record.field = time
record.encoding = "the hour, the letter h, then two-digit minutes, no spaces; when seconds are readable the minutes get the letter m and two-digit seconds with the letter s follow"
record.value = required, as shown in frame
9h17
